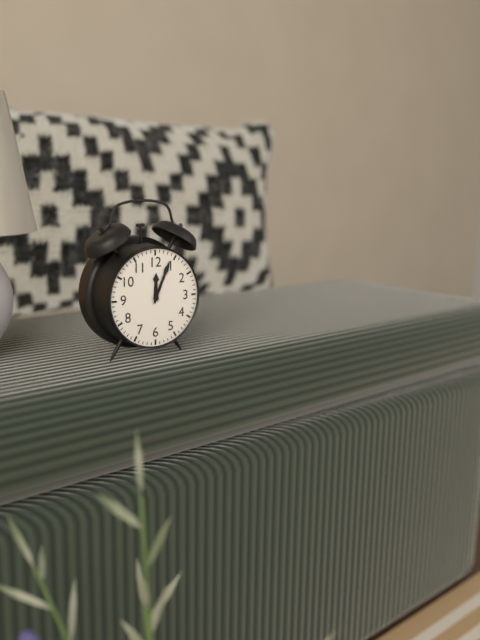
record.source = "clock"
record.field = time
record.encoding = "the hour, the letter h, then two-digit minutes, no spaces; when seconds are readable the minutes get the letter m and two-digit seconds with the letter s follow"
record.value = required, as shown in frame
12h04
